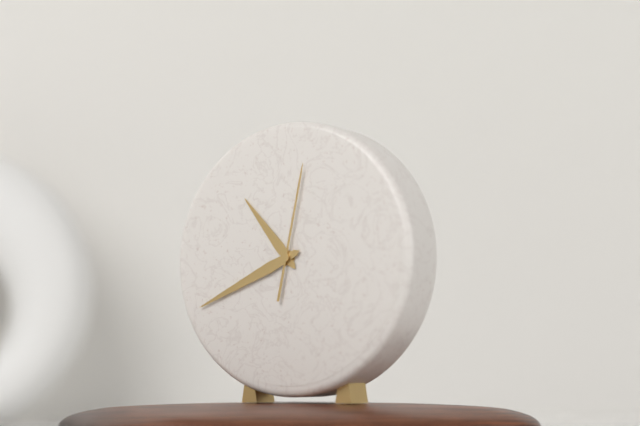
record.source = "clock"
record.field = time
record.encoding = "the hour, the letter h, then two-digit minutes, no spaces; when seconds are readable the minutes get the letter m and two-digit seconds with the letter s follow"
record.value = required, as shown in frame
10h41m02s
